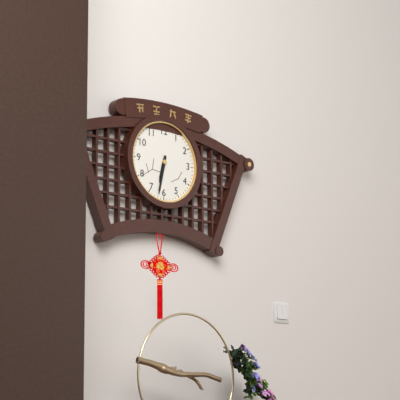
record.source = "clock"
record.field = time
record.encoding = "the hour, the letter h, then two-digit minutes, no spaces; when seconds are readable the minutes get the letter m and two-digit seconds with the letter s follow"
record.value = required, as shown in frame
6h32
